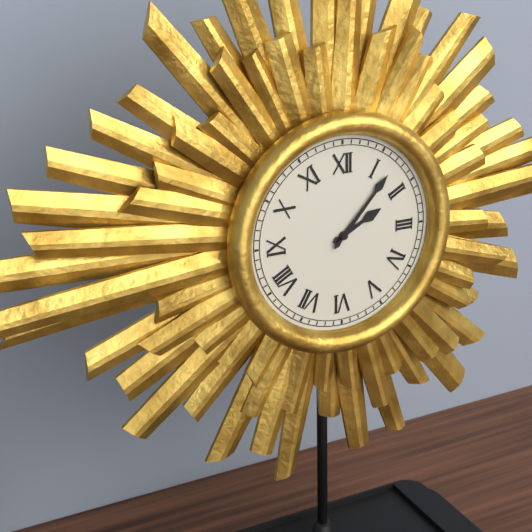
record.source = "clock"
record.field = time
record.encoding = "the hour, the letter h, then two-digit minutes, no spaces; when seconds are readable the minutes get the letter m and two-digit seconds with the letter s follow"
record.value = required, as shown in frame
2h07
